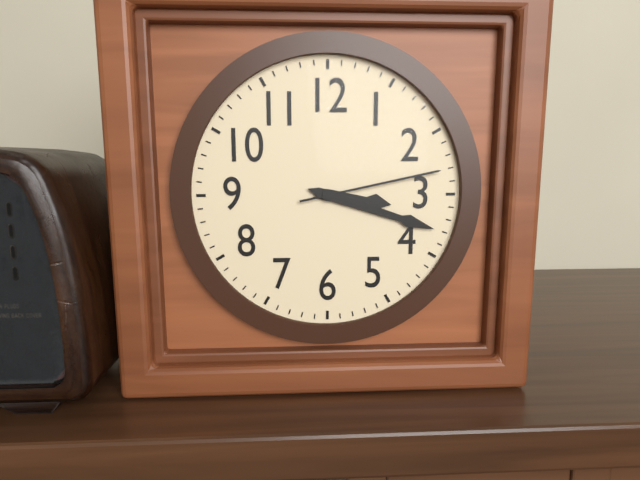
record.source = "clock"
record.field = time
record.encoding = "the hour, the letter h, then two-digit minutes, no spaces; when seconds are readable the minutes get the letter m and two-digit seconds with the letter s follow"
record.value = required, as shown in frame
3h18m13s
